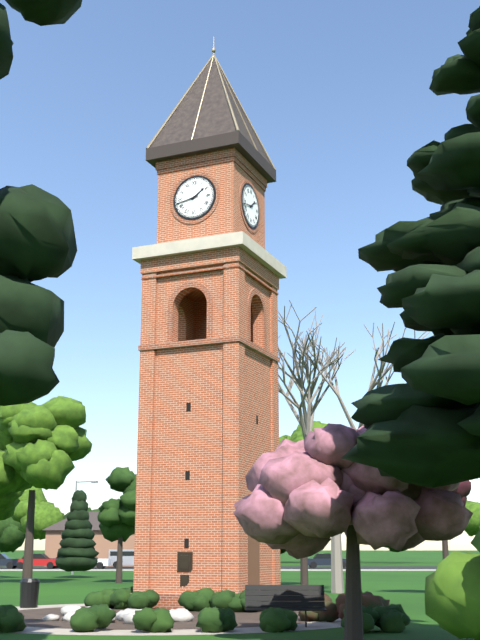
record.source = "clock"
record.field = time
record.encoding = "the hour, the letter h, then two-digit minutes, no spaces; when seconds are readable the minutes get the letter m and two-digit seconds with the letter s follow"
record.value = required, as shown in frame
1h43
